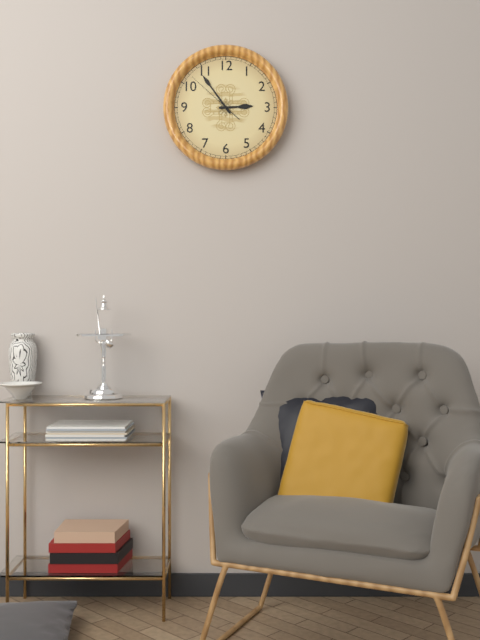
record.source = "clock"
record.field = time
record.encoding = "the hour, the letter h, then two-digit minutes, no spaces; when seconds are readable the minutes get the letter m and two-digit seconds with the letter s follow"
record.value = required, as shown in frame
2h54m52s
